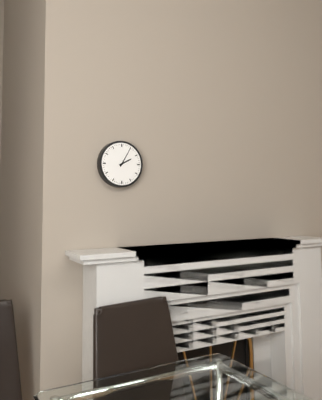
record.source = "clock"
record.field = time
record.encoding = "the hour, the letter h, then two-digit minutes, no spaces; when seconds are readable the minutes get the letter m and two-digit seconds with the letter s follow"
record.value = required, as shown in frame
2h05
